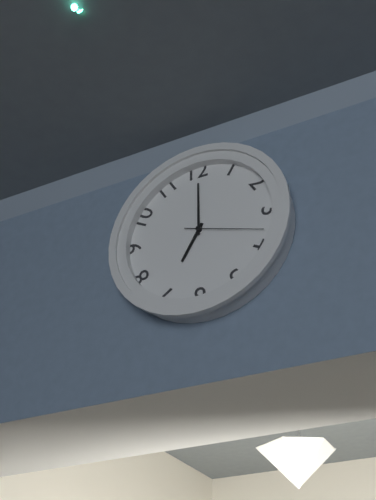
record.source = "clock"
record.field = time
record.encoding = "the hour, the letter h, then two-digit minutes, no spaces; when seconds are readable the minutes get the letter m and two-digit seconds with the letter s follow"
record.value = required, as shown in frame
7h00m18s
